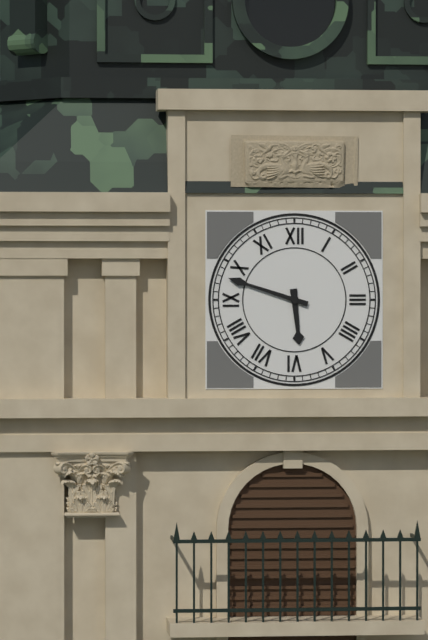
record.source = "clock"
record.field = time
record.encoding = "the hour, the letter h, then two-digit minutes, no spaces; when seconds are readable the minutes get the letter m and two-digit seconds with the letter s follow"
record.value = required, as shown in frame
5h48
